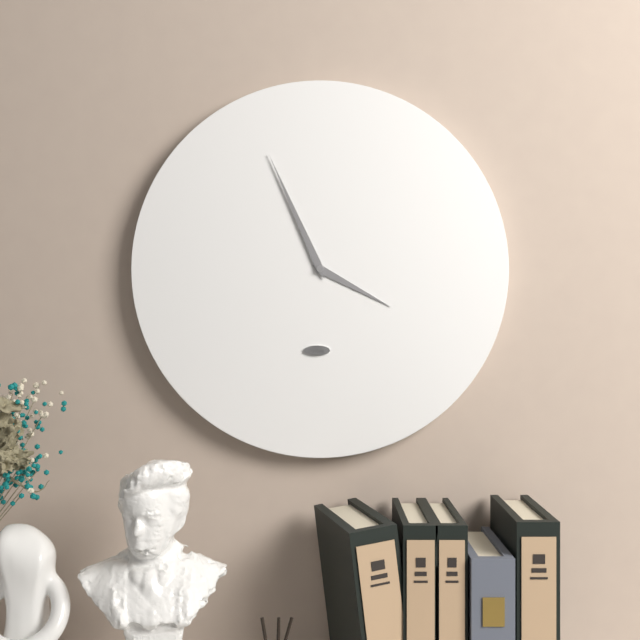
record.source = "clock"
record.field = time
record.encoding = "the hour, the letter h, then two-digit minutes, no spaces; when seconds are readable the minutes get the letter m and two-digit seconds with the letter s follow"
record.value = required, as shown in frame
3h56
